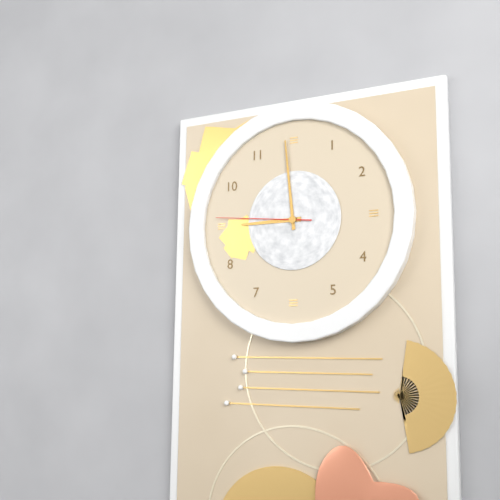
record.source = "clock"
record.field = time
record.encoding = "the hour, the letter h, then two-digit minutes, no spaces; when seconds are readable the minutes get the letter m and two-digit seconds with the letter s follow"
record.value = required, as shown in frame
8h59m46s
